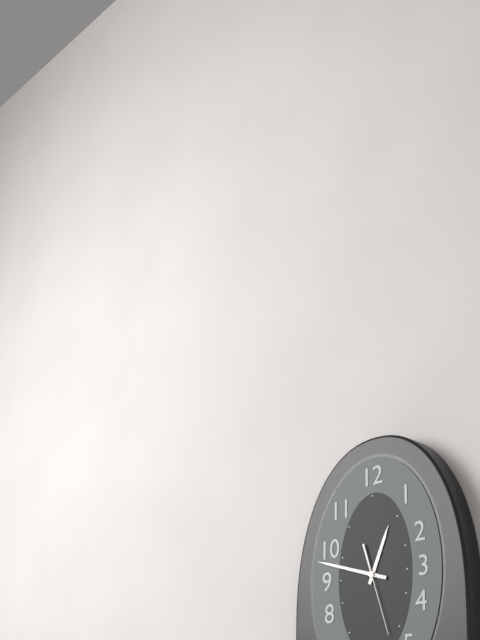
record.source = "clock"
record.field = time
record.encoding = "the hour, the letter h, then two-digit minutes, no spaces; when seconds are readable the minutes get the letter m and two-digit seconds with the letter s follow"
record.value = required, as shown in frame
12h48m27s
